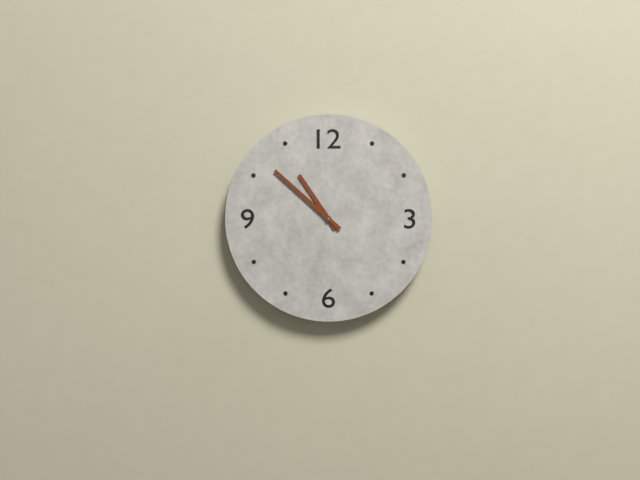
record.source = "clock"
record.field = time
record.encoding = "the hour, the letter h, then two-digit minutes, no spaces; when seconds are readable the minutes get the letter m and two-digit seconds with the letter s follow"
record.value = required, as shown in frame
10h52
